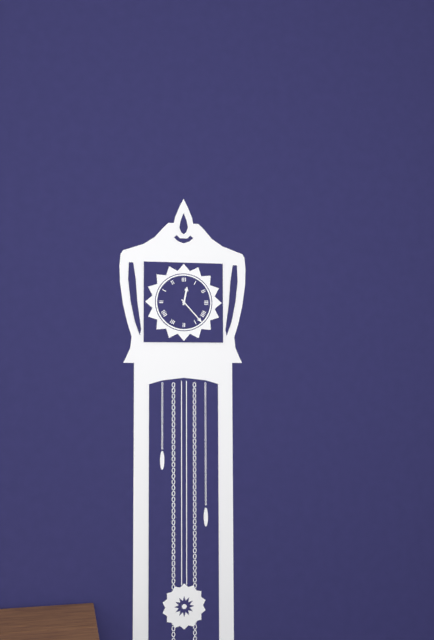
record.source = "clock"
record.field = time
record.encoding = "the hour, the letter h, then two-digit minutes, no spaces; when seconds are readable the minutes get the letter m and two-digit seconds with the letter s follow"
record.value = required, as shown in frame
12h23
